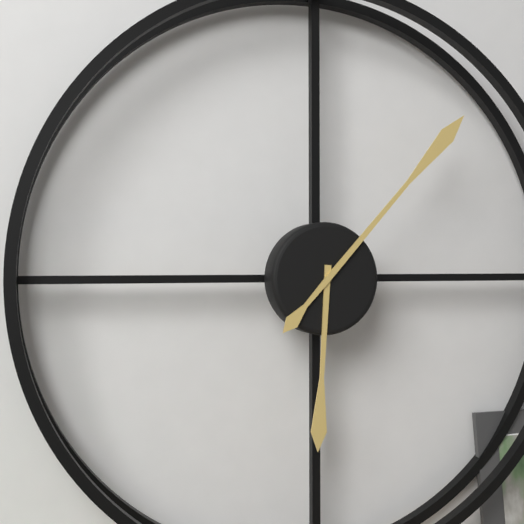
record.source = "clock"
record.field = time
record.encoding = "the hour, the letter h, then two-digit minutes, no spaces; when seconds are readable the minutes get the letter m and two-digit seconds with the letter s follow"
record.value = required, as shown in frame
6h07
